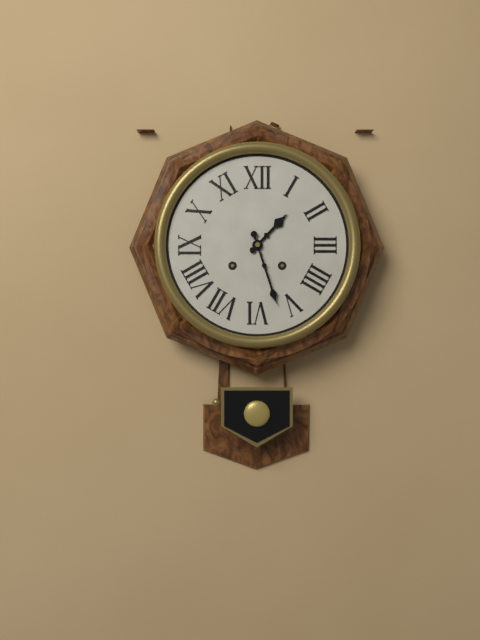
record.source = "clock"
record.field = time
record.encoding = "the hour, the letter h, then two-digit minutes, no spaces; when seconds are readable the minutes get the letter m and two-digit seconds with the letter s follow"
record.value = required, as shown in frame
1h27
